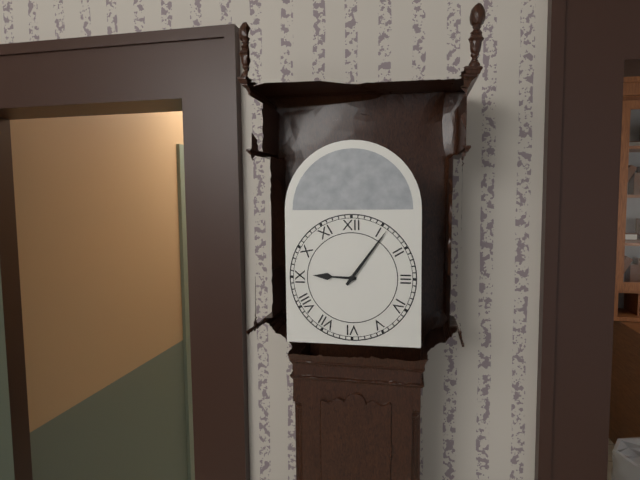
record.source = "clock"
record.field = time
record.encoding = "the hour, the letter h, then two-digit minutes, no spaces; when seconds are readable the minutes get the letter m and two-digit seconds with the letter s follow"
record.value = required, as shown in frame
9h06
